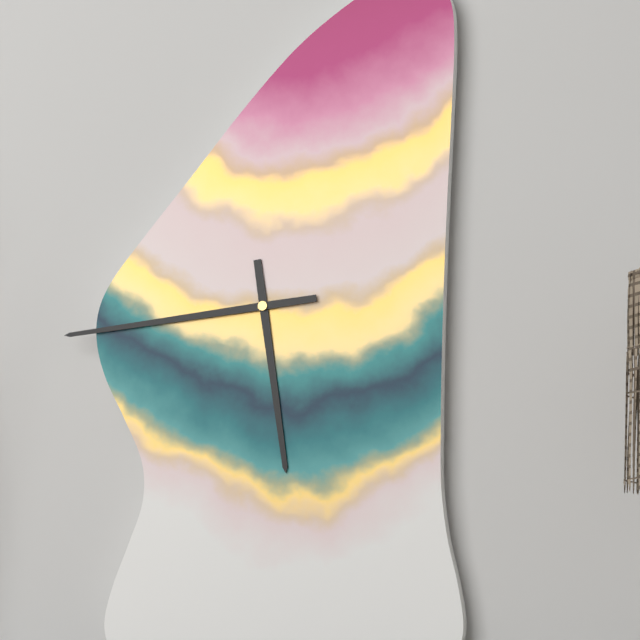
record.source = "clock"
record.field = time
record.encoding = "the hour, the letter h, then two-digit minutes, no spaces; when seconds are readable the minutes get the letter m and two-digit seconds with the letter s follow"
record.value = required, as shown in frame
5h44
